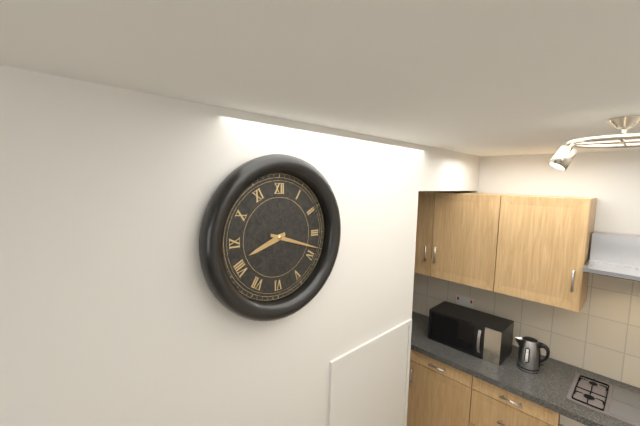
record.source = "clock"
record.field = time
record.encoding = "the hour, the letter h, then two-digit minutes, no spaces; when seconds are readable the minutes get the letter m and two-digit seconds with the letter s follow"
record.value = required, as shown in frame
8h18
